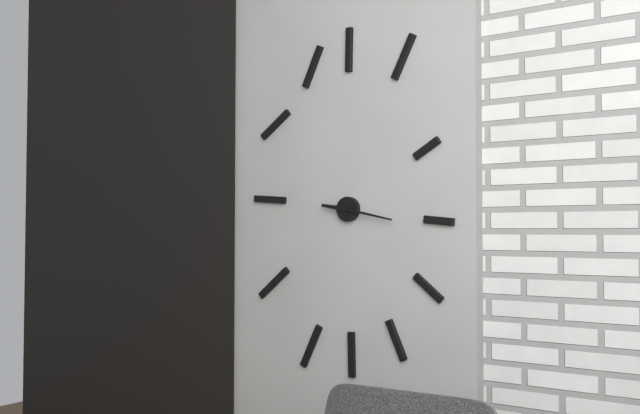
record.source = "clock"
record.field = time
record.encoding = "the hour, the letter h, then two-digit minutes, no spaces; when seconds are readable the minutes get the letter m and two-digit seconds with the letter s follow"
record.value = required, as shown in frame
9h17
